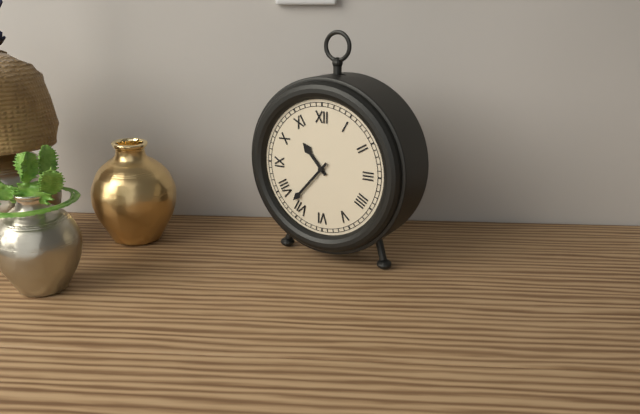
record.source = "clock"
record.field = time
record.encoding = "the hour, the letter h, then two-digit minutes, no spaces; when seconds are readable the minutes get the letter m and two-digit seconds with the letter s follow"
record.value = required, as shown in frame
10h37
